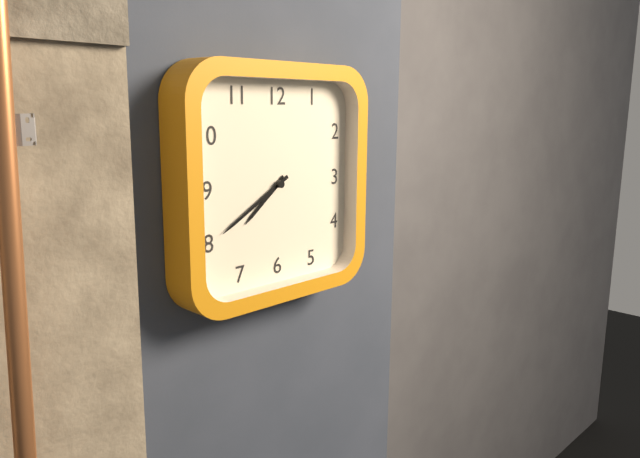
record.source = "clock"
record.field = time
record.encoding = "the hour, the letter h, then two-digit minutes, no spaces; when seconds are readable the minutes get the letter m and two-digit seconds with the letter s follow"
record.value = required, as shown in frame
7h40
